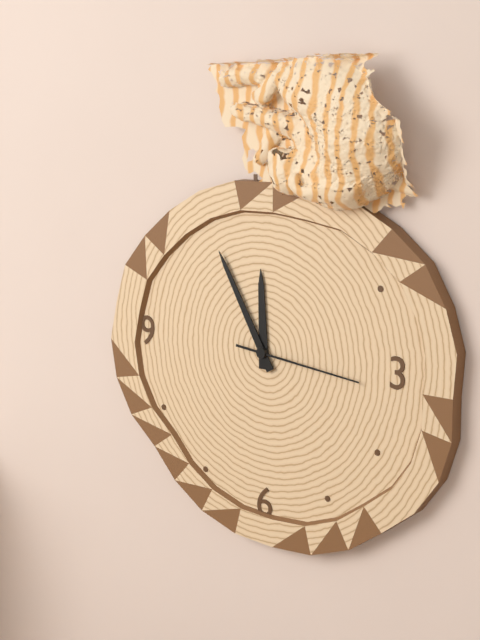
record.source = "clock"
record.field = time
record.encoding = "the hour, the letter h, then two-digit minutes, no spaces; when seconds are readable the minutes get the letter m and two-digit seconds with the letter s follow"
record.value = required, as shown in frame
11h55m16s
